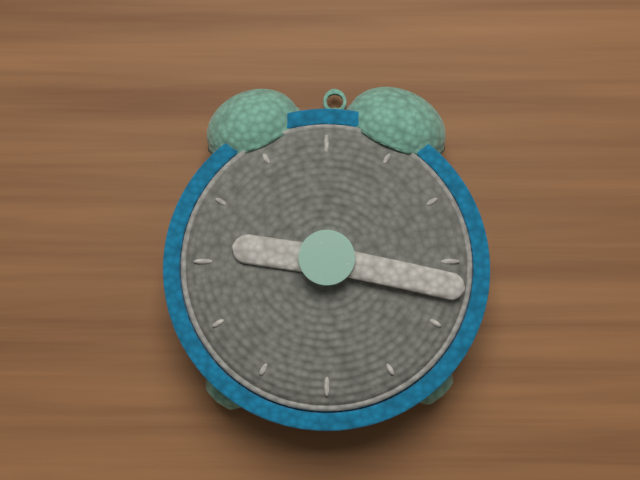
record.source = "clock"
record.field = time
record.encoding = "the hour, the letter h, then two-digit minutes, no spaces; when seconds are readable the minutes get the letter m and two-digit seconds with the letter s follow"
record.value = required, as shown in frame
9h17
